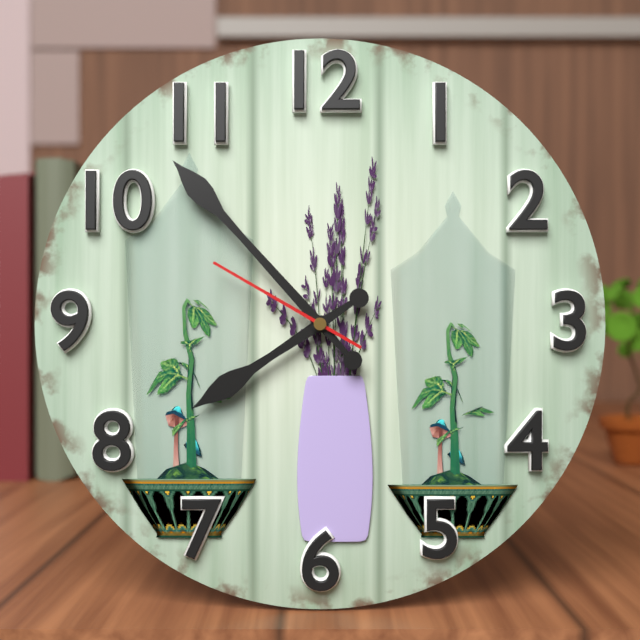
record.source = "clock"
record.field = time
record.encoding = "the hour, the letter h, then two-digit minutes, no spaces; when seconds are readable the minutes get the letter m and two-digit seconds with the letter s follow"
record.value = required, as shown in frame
7h53m50s
